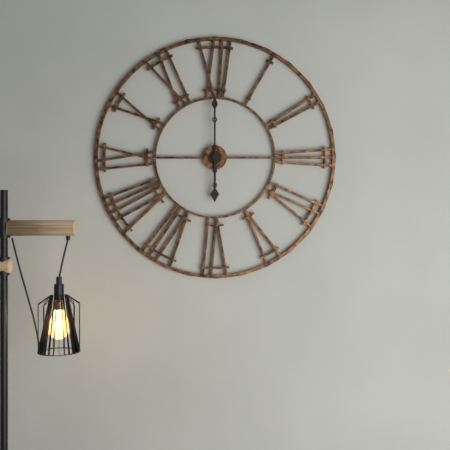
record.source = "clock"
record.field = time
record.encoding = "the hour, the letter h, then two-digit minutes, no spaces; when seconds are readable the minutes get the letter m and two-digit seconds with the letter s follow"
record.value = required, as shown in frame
6h00
